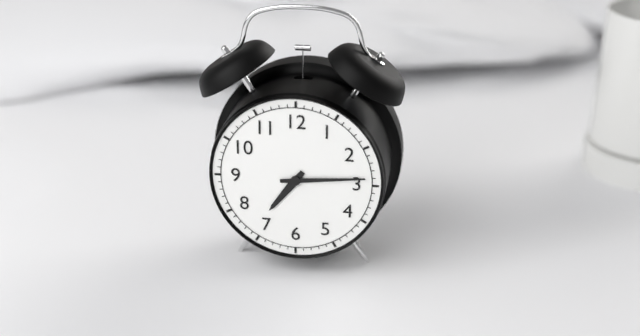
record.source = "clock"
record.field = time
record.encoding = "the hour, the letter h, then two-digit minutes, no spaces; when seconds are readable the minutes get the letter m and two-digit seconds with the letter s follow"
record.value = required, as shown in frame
7h14
